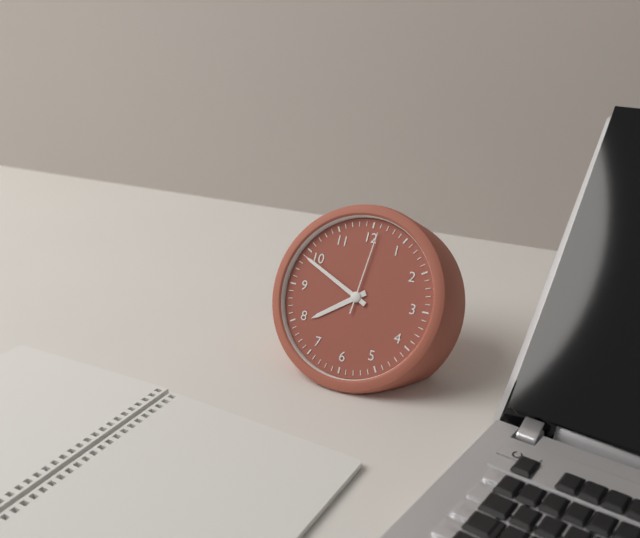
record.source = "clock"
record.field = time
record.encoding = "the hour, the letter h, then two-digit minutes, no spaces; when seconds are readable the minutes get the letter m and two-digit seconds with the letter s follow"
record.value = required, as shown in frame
7h49m01s
